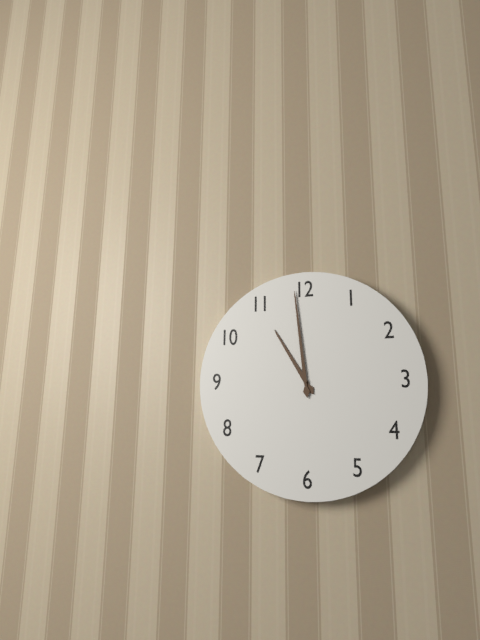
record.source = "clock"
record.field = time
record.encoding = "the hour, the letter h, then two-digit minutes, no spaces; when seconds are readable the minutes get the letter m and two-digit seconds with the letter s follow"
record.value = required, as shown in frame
10h59
